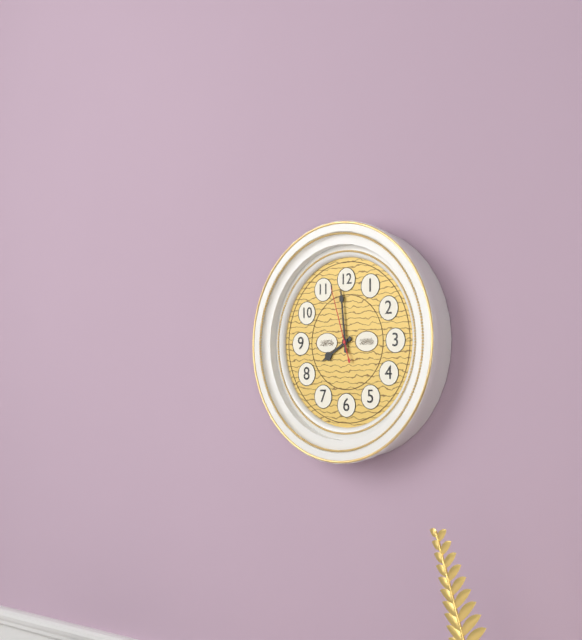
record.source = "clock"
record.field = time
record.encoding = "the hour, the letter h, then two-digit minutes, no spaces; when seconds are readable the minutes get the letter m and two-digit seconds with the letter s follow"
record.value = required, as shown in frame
7h59m57s
